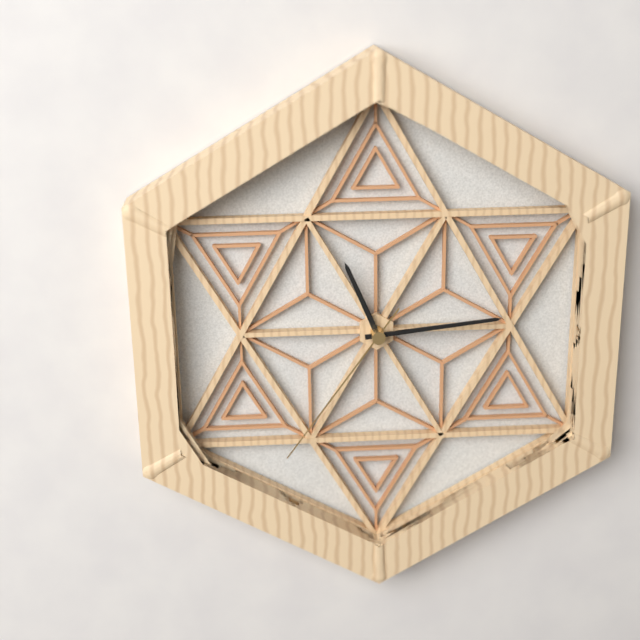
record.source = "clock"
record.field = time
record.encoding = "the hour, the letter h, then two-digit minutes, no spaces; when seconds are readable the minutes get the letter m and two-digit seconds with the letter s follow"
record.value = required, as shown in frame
11h14m36s
